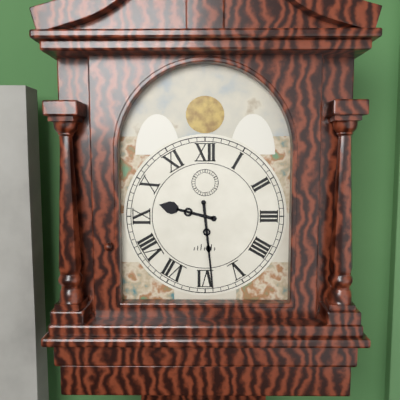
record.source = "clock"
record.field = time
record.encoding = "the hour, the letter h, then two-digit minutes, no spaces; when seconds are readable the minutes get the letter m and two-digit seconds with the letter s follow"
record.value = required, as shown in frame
9h29
